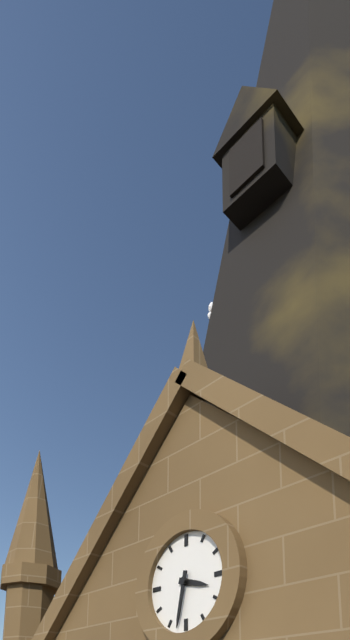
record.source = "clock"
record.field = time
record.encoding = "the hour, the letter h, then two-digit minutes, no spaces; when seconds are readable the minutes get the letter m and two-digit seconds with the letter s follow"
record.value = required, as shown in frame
3h32
